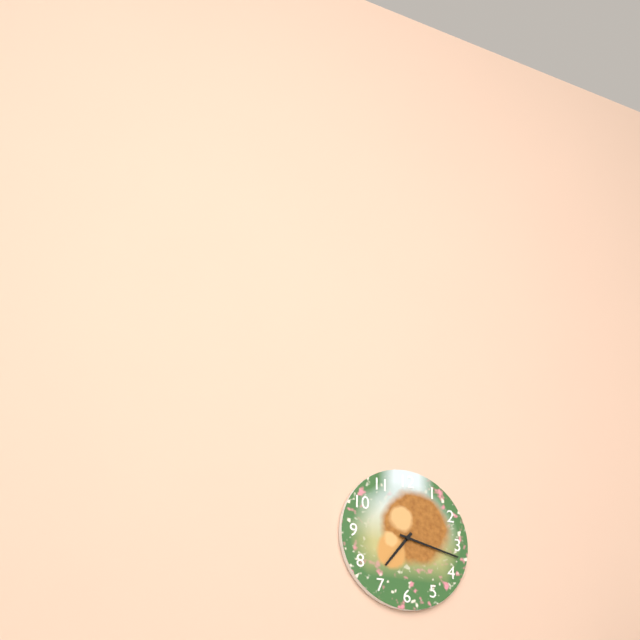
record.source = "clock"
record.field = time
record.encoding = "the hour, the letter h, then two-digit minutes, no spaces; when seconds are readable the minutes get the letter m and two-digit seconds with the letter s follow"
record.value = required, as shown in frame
7h17
